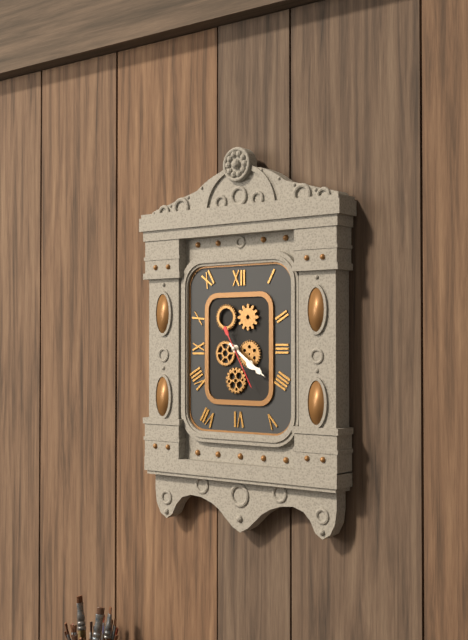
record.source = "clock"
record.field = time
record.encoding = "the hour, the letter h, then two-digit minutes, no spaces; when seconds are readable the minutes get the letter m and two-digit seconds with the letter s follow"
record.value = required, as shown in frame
4h21m25s
